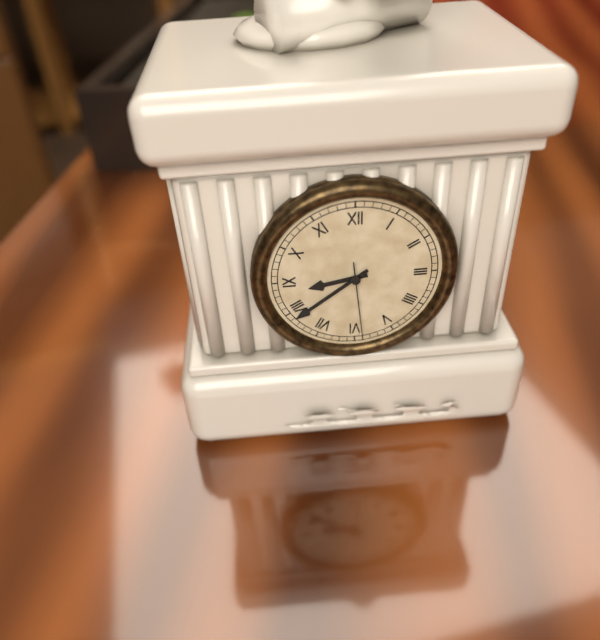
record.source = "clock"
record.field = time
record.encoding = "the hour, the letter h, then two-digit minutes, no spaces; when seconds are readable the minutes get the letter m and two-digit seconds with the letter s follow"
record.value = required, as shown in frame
8h39m29s
